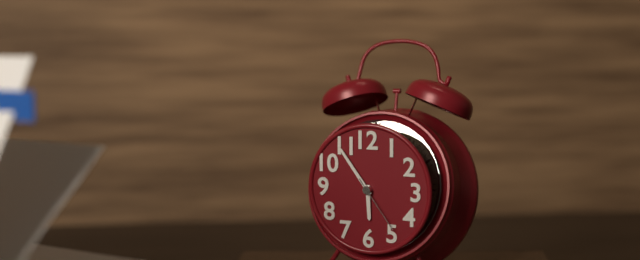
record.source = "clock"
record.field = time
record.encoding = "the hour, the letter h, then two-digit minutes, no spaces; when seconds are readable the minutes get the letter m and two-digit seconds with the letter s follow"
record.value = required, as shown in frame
5h54m24s
